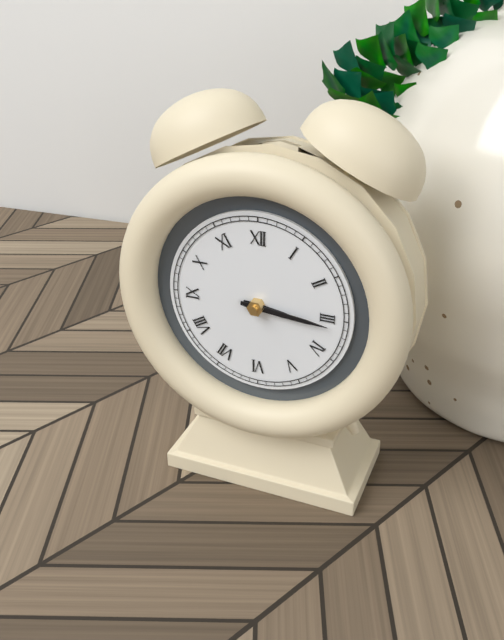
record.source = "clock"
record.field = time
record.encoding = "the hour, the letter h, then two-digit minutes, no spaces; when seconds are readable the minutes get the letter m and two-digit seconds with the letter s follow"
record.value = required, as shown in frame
3h16
